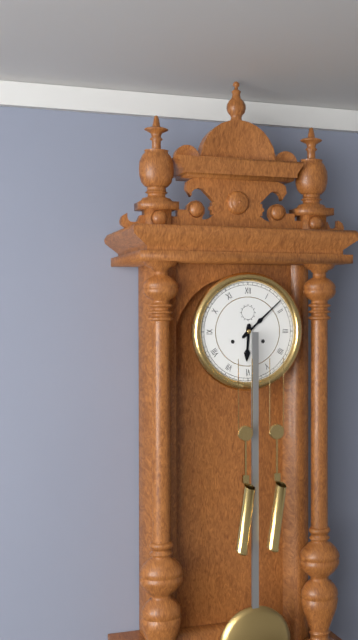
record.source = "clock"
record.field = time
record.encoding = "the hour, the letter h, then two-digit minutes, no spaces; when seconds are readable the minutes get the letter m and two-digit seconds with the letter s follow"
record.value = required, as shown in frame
6h08
